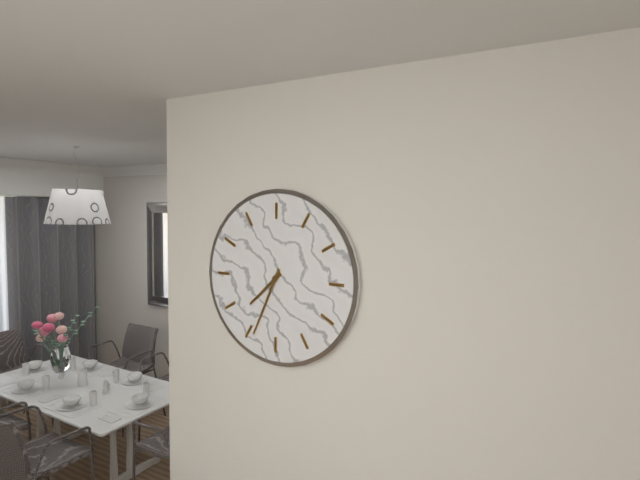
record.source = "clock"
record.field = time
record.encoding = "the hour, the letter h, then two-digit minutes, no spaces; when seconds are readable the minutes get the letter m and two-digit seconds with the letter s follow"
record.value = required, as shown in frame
7h34
